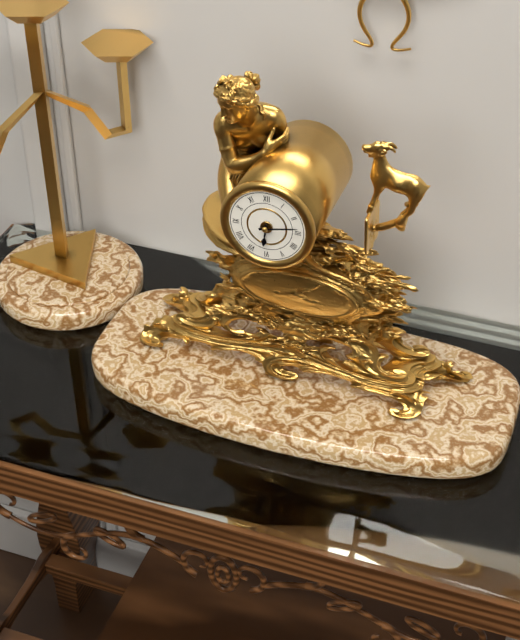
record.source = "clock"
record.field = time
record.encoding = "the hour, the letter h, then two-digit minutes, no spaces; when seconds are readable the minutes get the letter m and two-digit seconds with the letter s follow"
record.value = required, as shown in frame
6h13
